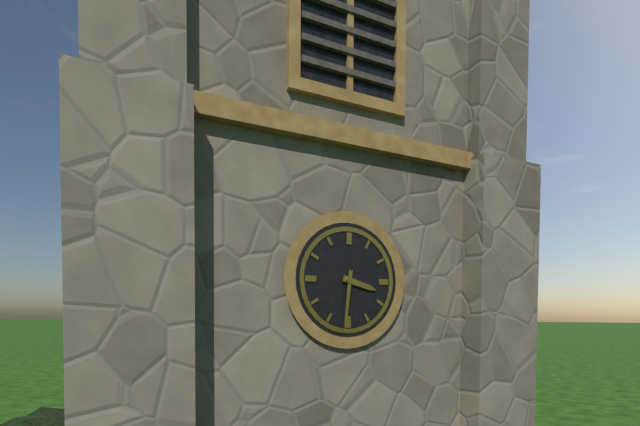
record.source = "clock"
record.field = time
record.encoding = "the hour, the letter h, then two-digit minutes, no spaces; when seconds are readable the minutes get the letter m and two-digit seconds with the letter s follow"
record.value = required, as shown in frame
3h31
